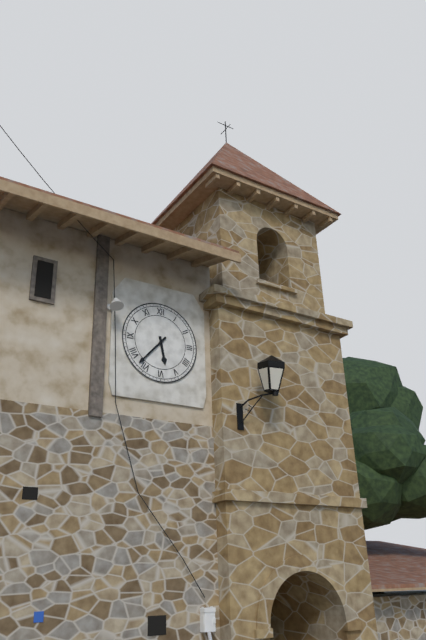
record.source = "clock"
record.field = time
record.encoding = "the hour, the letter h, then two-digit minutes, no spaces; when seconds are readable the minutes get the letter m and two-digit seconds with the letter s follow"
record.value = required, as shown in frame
5h37
